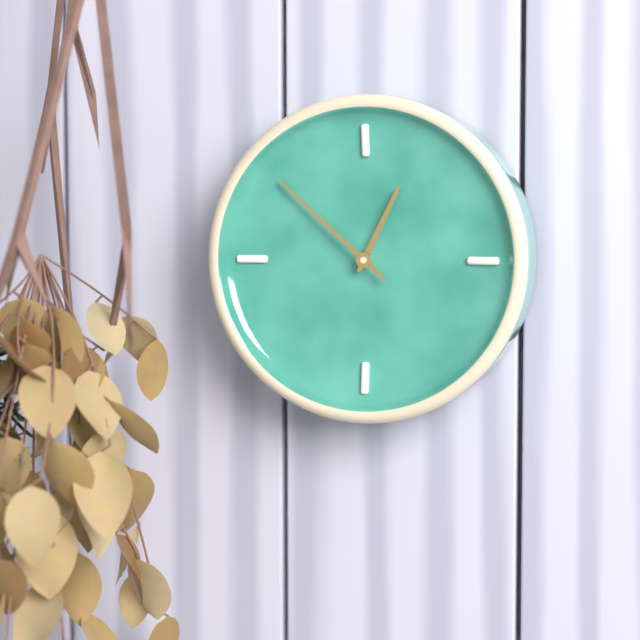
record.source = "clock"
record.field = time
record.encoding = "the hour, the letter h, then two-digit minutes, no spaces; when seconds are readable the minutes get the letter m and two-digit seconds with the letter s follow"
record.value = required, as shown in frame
12h52
